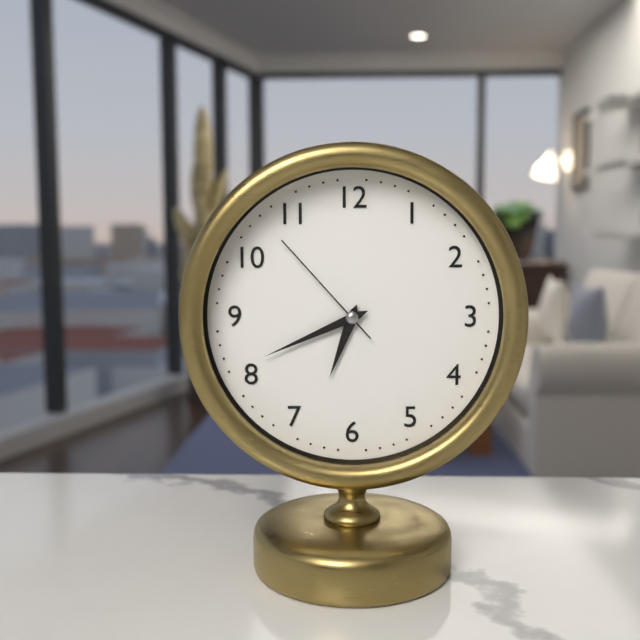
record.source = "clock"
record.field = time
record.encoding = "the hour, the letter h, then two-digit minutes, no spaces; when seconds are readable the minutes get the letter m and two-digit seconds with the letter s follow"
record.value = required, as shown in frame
6h41m53s
